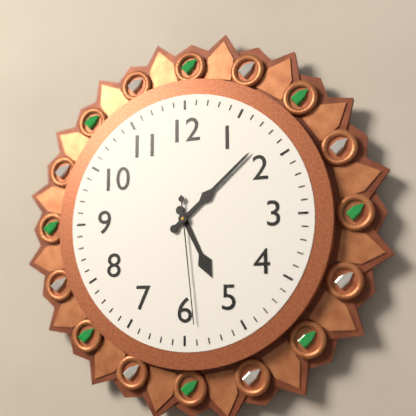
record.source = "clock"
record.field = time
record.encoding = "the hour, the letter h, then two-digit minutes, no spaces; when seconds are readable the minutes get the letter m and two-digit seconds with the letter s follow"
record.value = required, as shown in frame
5h08m29s
